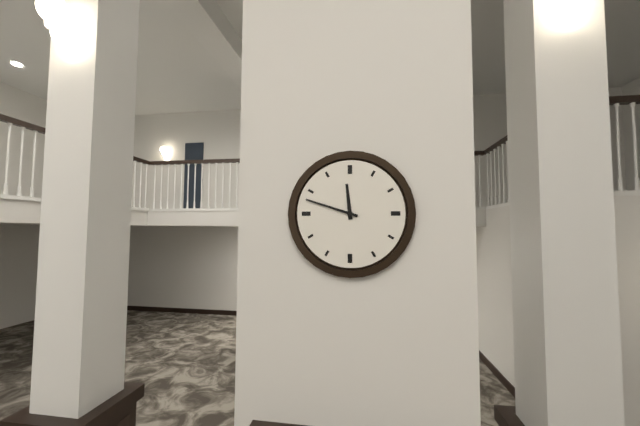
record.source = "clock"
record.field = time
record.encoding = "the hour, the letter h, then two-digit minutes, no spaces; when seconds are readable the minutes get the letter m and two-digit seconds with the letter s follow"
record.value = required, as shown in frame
11h48
